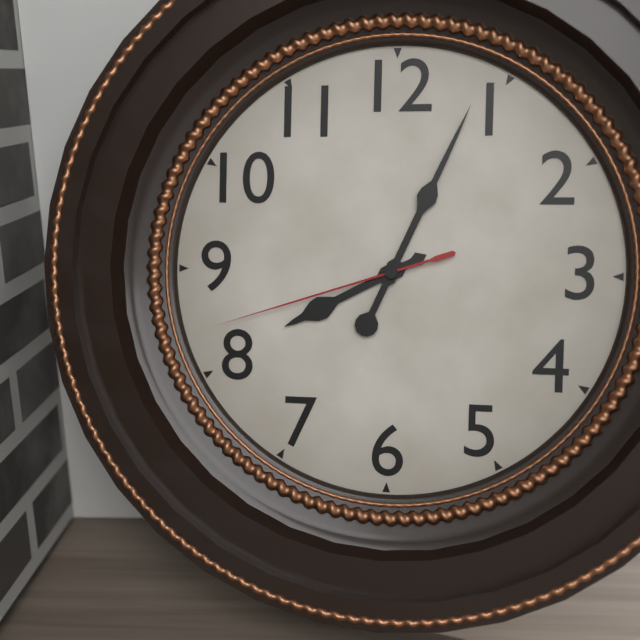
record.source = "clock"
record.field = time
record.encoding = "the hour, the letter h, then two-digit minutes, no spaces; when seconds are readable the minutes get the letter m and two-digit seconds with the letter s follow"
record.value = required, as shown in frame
8h04m42s
